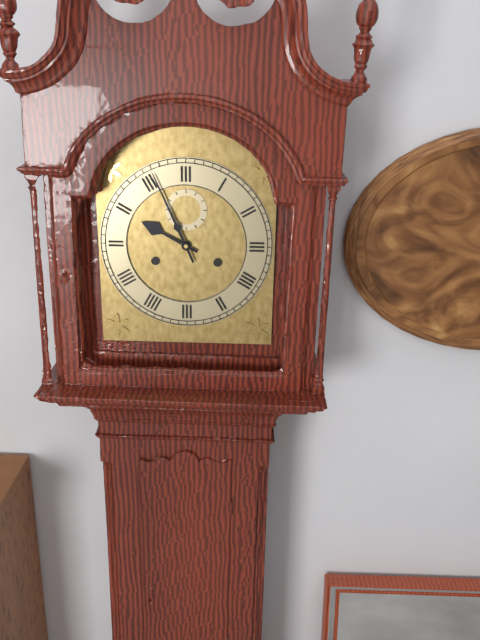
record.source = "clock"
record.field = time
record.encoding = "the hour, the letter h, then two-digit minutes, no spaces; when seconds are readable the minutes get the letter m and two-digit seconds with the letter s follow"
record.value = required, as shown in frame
9h56
